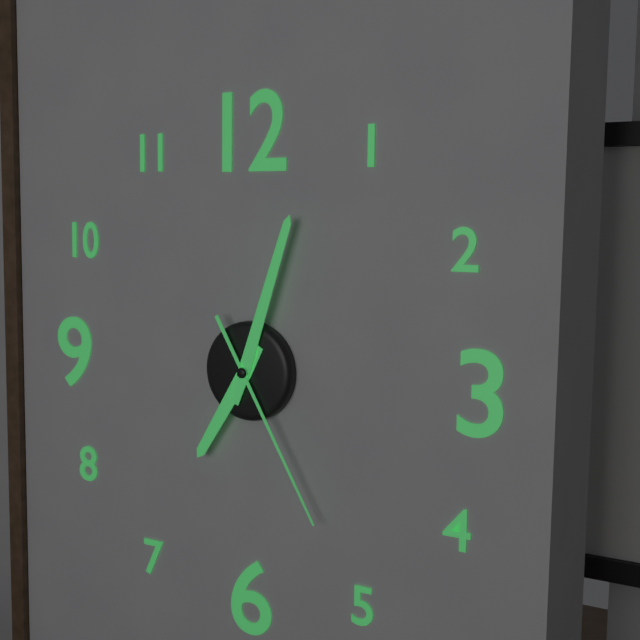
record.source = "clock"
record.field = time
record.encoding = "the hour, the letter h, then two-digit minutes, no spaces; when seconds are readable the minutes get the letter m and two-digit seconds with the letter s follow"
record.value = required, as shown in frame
7h03m25s
